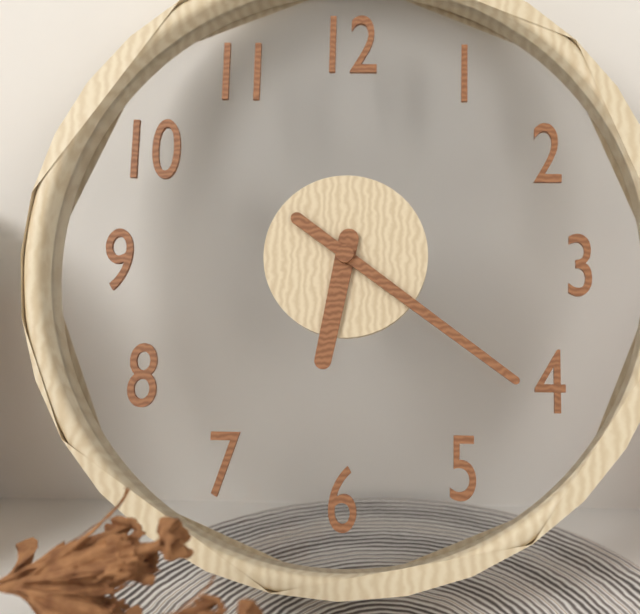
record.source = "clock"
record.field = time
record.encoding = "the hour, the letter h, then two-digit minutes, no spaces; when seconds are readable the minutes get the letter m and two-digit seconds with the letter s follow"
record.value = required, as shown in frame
6h21
